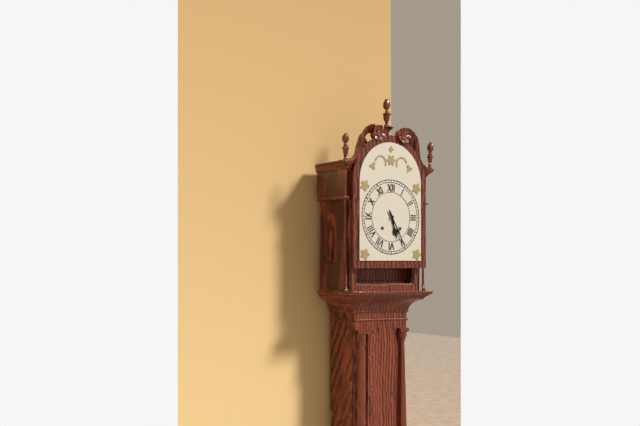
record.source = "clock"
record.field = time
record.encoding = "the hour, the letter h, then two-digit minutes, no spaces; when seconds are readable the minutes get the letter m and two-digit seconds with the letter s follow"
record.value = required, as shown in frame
5h25
